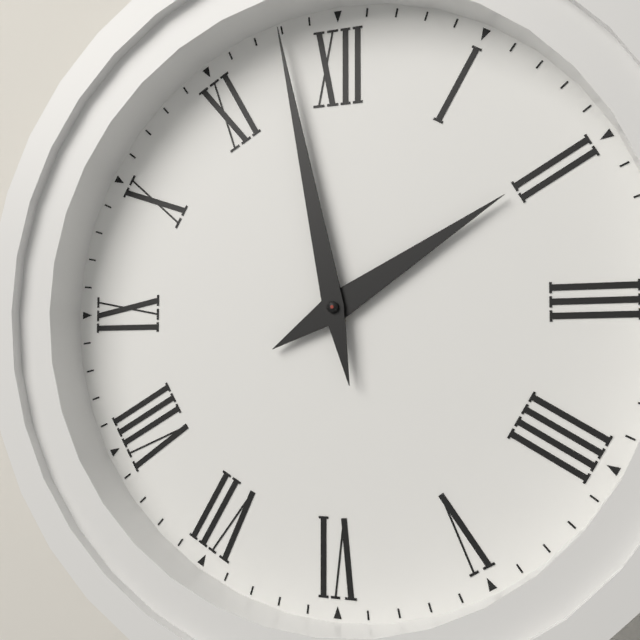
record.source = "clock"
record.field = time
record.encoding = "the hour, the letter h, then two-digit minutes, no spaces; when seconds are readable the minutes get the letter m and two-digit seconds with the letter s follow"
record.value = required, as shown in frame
1h58
